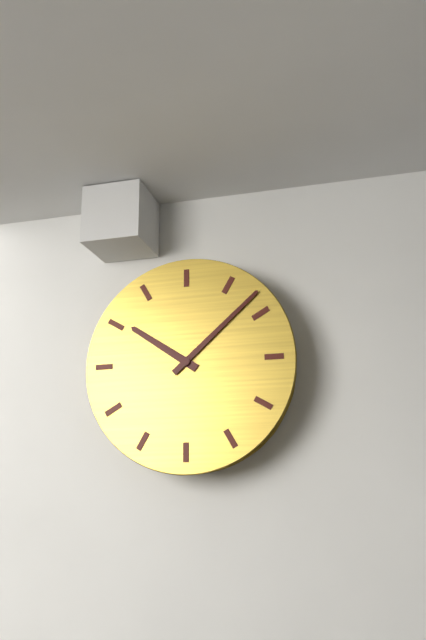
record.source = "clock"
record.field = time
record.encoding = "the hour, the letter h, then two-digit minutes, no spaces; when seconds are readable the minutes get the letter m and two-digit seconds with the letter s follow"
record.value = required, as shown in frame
10h08
